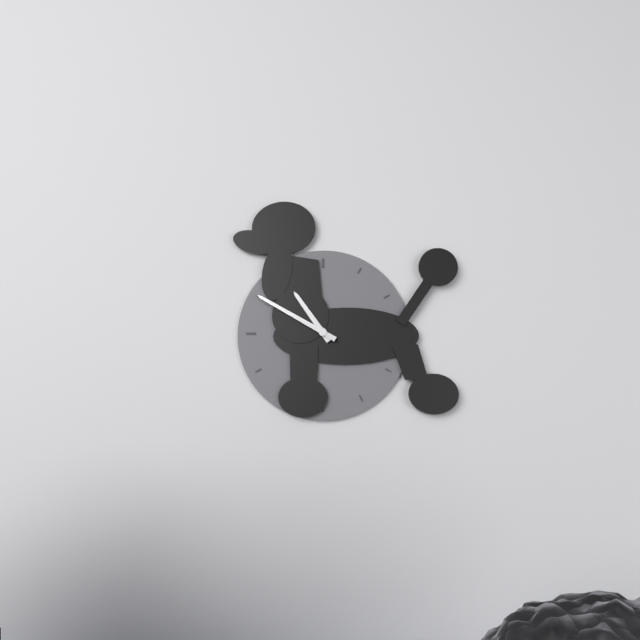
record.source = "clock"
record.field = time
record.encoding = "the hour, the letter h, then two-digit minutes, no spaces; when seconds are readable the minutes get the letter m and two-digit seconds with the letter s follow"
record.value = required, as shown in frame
10h50
